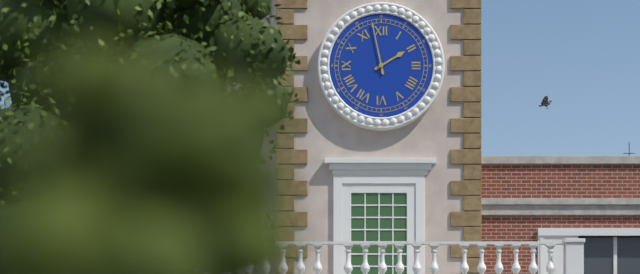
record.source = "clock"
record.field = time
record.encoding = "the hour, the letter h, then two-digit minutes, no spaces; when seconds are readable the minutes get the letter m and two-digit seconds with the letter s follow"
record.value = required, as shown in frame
1h58
